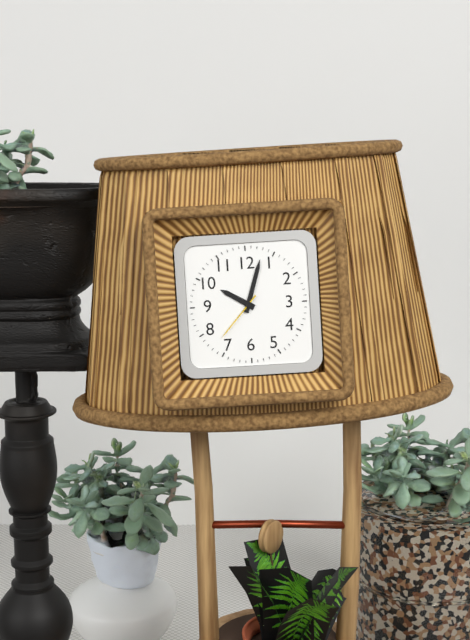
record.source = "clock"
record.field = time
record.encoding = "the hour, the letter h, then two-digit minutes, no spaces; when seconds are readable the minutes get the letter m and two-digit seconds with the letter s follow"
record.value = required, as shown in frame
10h03m37s
